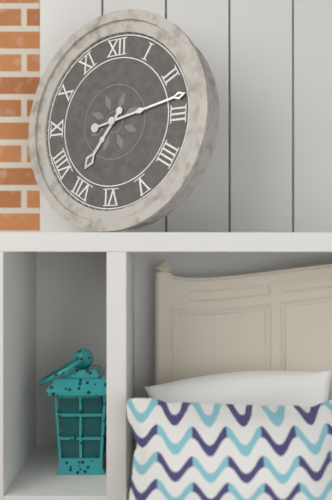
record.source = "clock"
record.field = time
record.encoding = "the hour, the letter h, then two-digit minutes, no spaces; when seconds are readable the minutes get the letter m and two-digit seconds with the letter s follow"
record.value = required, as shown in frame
7h13
